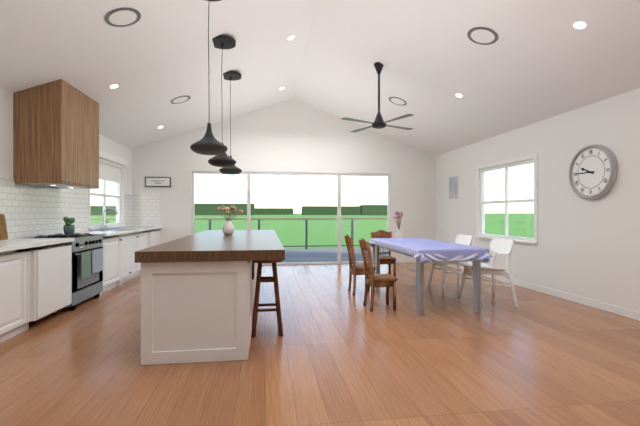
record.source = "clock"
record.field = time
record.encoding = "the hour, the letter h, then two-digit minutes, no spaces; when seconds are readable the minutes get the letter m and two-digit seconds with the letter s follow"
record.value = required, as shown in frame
9h45
